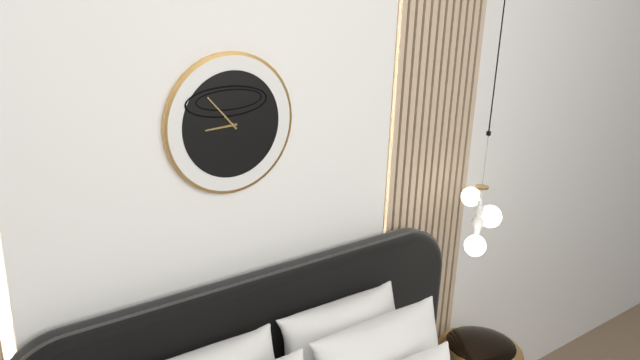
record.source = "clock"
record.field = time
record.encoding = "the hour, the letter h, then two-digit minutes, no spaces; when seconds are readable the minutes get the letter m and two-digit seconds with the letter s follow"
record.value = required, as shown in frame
8h53
